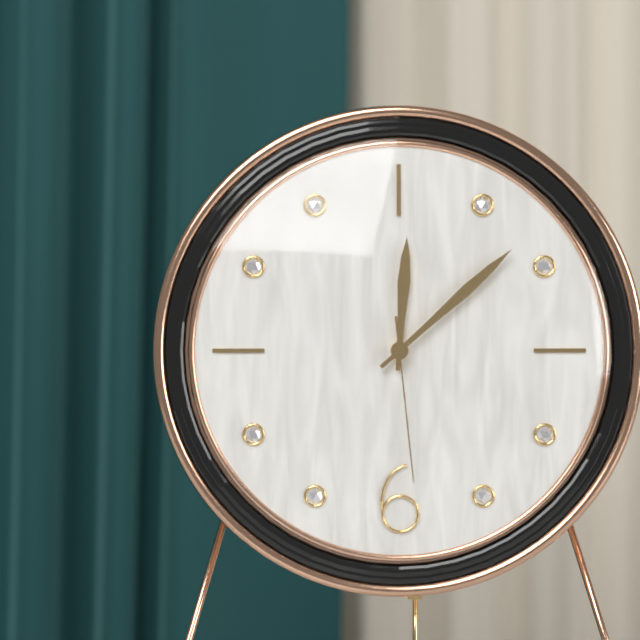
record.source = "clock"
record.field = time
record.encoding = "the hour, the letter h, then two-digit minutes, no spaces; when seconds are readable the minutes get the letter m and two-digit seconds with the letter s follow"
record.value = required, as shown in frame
12h08m29s
